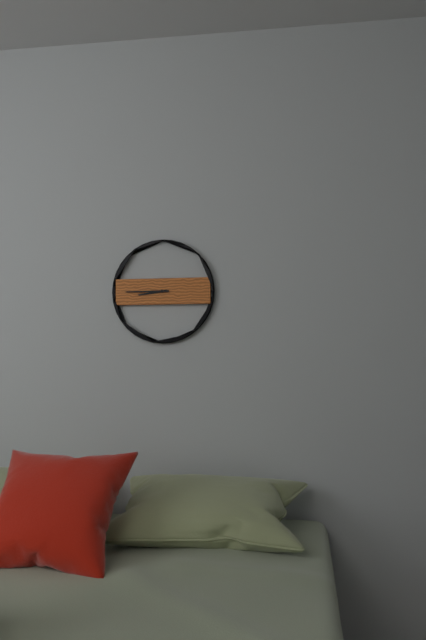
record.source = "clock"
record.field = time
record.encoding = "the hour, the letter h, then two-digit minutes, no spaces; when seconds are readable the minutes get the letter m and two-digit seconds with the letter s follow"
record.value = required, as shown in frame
8h45
